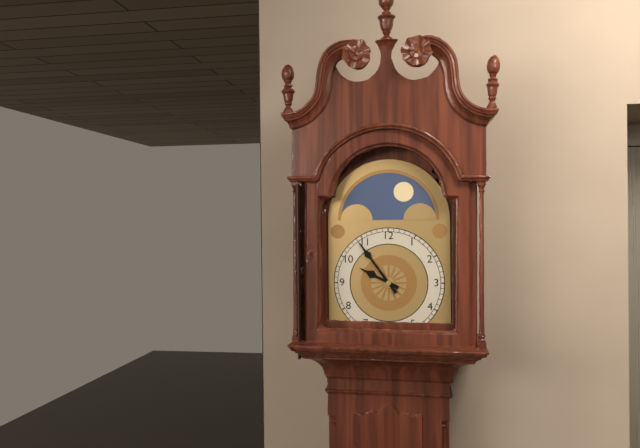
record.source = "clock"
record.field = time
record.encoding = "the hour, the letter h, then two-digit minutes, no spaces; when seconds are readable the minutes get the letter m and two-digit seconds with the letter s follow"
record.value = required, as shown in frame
9h54
